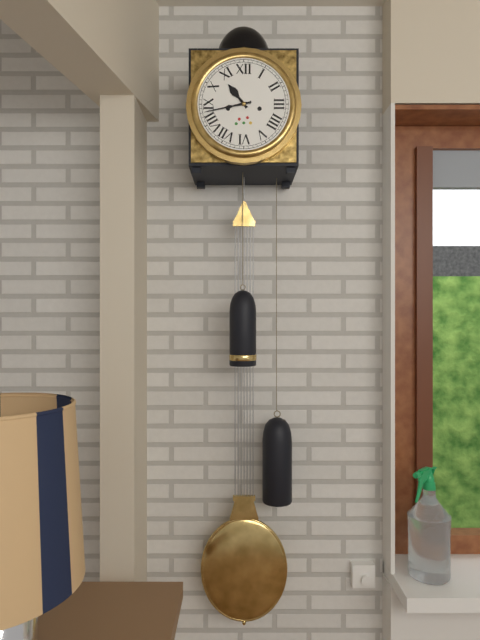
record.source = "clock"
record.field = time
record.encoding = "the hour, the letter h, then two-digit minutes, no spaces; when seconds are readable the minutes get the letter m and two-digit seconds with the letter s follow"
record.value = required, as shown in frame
10h43
